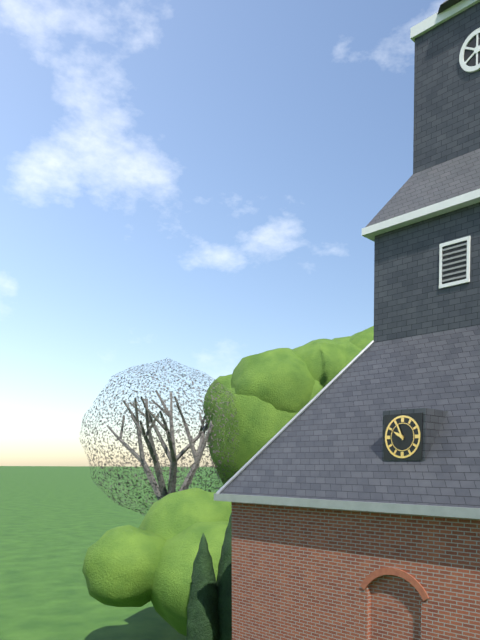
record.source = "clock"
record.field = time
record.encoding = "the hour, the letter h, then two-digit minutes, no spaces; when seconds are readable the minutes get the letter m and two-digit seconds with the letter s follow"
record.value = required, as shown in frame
9h56
